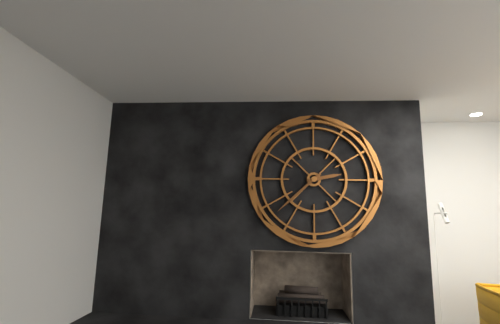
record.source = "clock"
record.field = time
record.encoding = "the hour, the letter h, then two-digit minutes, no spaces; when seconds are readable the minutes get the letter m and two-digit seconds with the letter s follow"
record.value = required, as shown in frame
2h38
